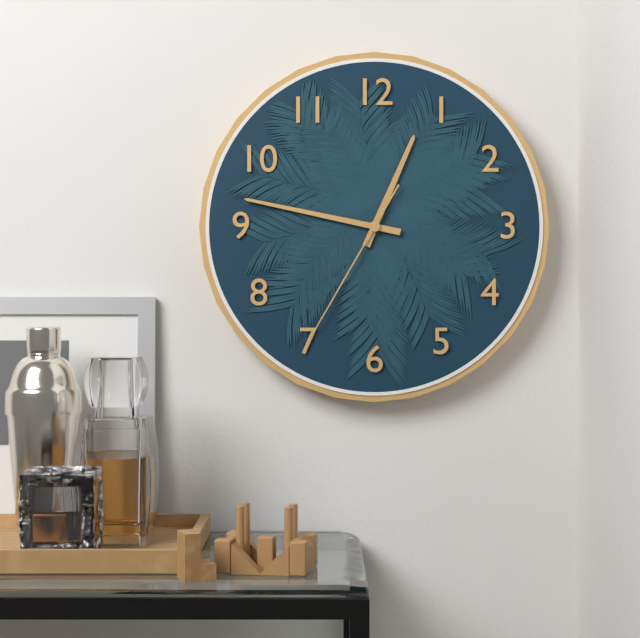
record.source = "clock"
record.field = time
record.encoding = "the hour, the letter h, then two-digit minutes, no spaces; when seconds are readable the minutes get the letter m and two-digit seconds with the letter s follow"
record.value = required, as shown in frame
12h47m35s
